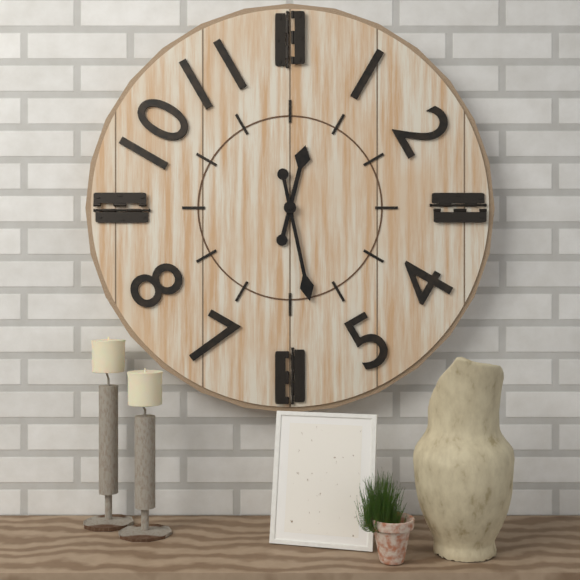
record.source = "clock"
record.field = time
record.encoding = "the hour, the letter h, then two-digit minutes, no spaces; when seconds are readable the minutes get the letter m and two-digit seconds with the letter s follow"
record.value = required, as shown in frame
12h28
